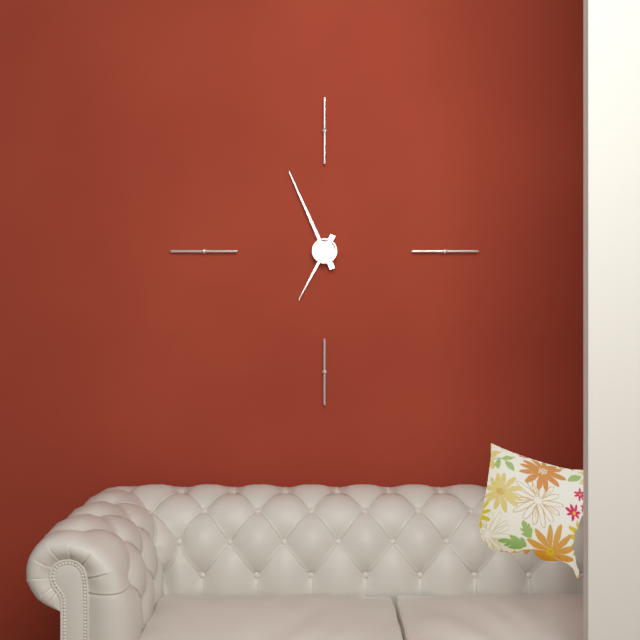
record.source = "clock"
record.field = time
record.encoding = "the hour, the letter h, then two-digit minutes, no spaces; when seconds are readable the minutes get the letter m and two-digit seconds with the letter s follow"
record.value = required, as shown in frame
6h56
